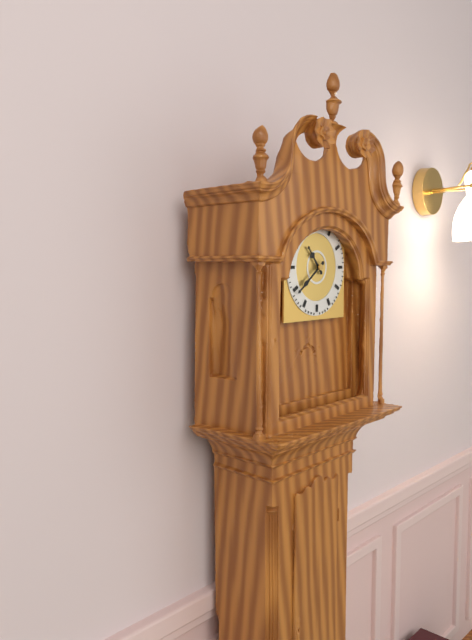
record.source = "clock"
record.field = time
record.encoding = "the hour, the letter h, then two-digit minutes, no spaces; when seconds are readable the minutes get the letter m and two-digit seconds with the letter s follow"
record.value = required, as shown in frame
10h39
